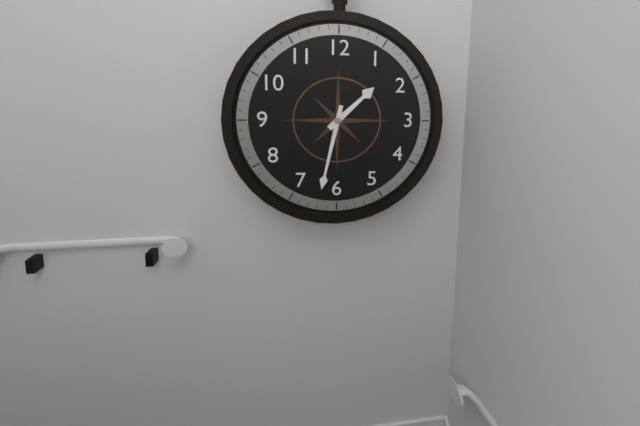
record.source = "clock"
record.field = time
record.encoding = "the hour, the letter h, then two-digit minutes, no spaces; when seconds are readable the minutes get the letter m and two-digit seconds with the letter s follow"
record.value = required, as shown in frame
1h32
